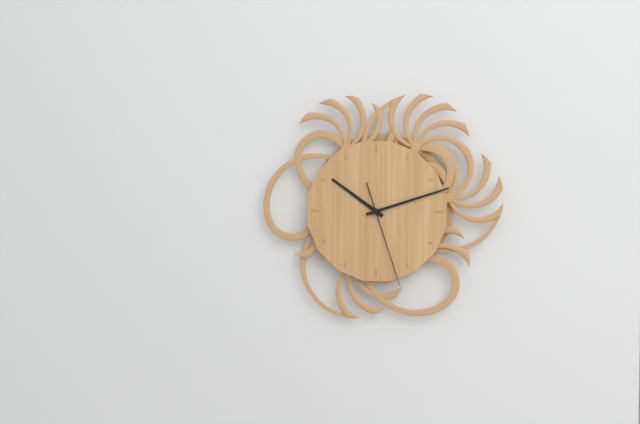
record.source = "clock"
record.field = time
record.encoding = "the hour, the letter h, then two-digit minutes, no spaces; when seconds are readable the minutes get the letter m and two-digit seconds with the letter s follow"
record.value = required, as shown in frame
10h12m27s
